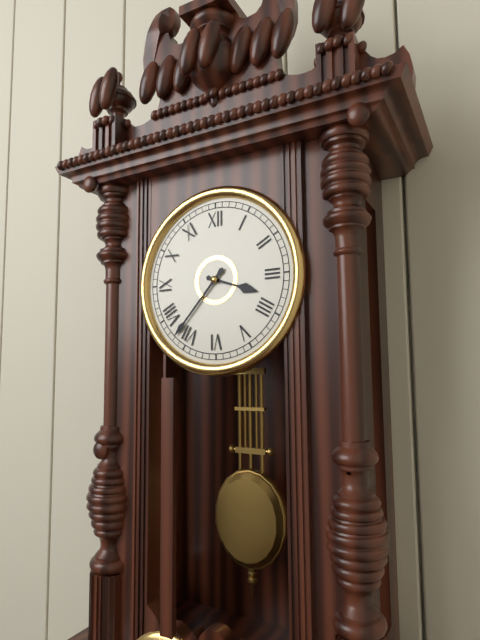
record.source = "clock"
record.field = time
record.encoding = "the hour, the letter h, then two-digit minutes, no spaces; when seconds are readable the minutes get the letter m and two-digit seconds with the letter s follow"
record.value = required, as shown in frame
3h37
